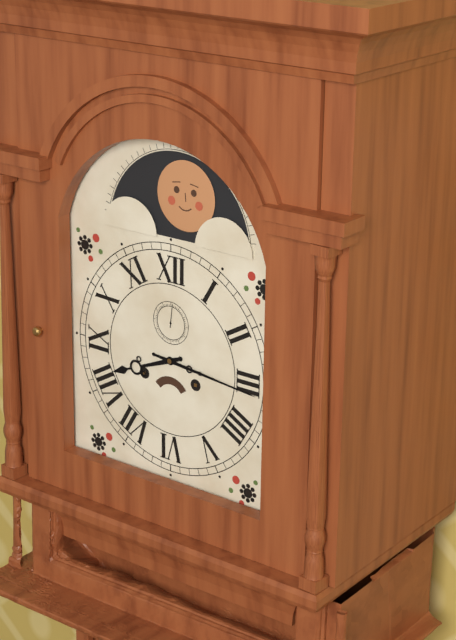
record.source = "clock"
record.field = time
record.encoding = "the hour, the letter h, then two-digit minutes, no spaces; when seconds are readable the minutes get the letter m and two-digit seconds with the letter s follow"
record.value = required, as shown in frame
8h16
